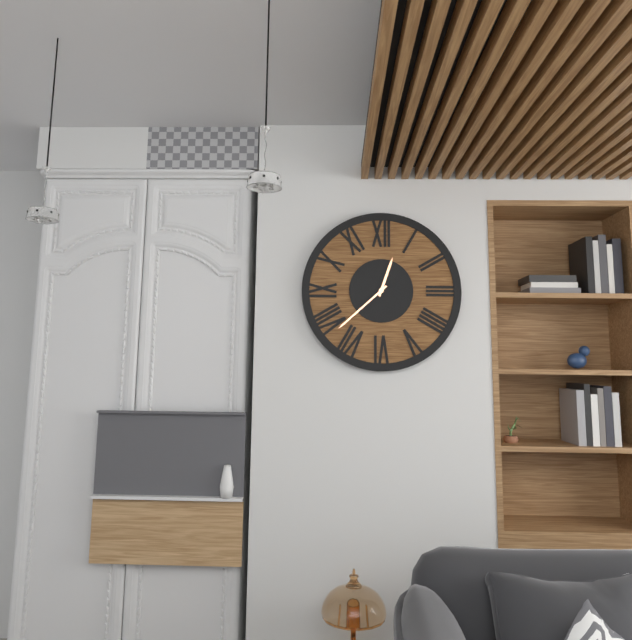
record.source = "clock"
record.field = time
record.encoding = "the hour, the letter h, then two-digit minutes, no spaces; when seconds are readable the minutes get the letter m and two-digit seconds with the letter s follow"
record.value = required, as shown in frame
12h38
